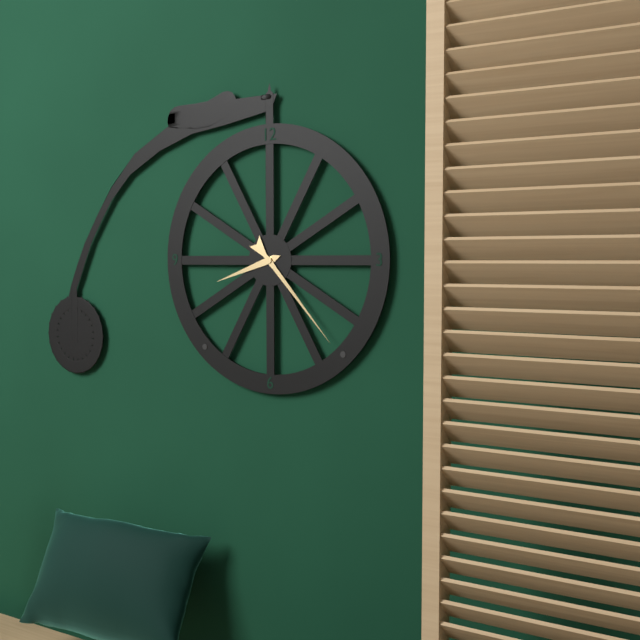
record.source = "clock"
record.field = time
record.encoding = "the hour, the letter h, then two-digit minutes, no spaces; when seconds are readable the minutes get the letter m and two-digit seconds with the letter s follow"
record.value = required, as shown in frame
8h23
